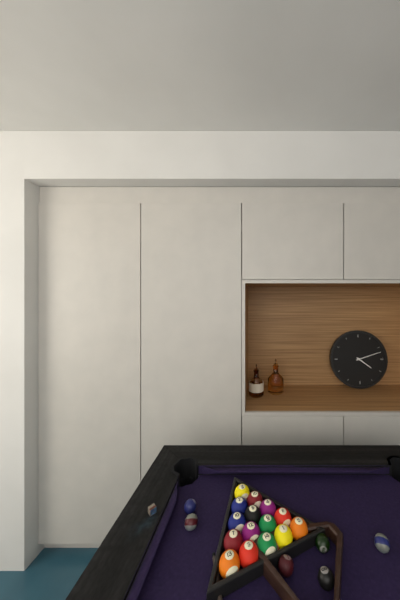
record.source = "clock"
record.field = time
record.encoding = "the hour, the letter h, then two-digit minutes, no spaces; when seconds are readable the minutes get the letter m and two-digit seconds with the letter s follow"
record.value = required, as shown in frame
4h12
